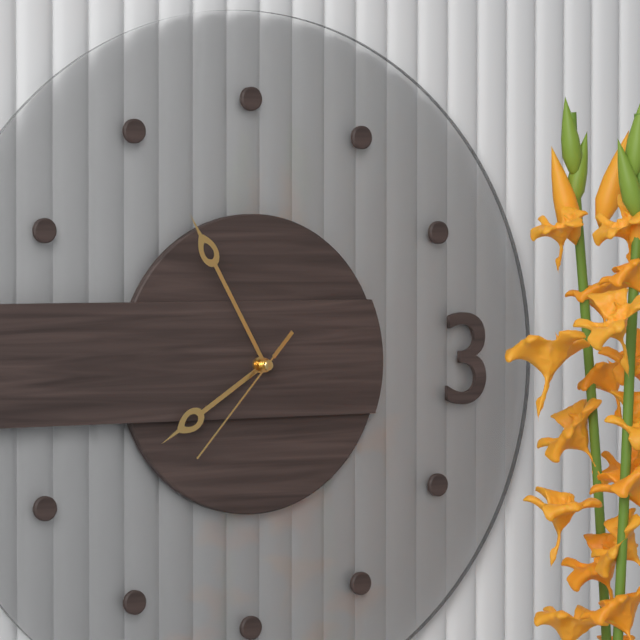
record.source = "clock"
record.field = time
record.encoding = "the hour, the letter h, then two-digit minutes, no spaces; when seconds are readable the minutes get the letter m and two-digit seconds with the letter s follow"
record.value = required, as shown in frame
7h55m37s
